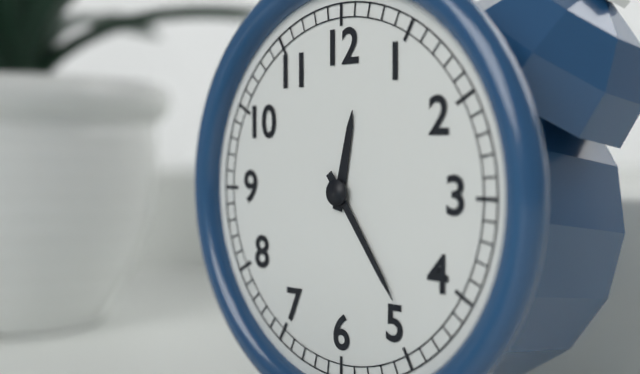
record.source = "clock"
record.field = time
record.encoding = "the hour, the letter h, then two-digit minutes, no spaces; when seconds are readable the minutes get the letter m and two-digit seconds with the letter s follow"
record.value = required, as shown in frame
12h24
